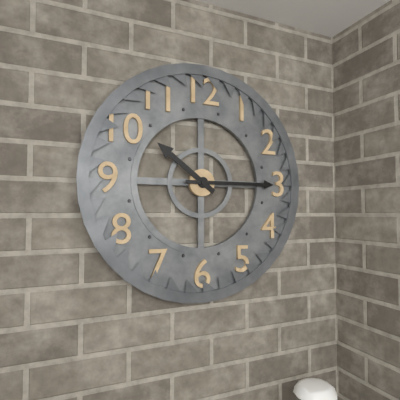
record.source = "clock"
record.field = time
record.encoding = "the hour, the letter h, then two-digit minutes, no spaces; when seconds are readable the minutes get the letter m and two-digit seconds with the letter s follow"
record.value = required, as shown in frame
10h15
